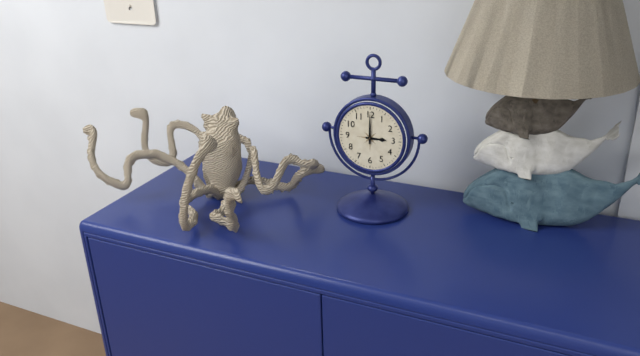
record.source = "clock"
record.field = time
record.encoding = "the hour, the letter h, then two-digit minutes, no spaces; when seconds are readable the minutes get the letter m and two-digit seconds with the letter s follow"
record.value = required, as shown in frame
3h00
